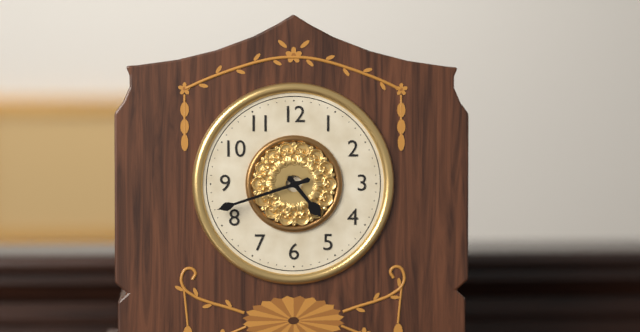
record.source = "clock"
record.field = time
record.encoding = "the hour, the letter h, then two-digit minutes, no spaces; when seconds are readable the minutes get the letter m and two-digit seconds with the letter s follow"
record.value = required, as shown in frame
4h42
